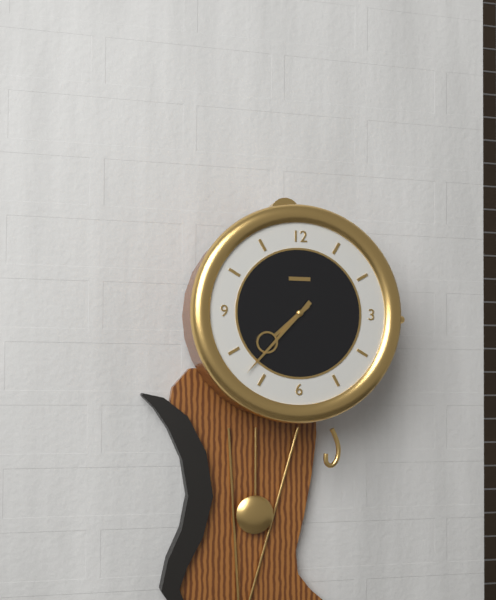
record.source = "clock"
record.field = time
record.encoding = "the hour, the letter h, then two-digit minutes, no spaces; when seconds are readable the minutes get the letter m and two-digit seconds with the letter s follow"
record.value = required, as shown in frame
7h37
